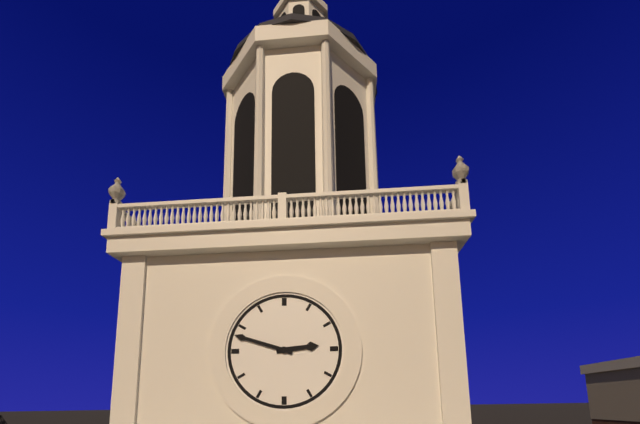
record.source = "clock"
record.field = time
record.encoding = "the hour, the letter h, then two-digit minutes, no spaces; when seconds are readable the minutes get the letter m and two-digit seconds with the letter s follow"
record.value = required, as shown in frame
2h48
